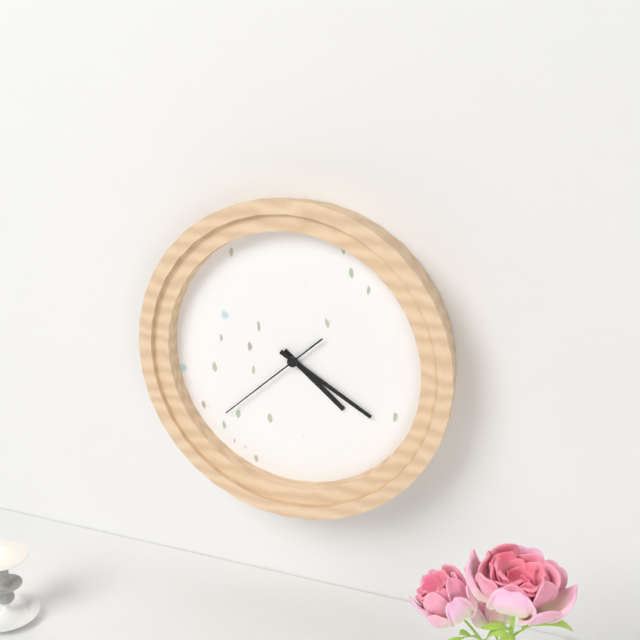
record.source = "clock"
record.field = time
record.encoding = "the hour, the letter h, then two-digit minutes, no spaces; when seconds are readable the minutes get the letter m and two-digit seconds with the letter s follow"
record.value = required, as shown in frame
4h20m38s
